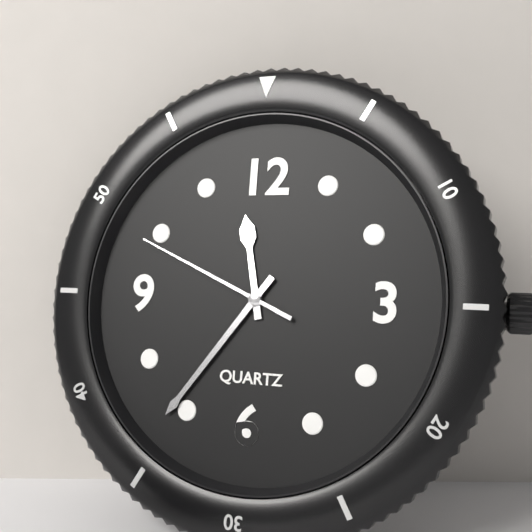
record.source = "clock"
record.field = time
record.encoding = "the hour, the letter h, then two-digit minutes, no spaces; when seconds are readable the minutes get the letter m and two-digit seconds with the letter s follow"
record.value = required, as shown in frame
11h36m49s
